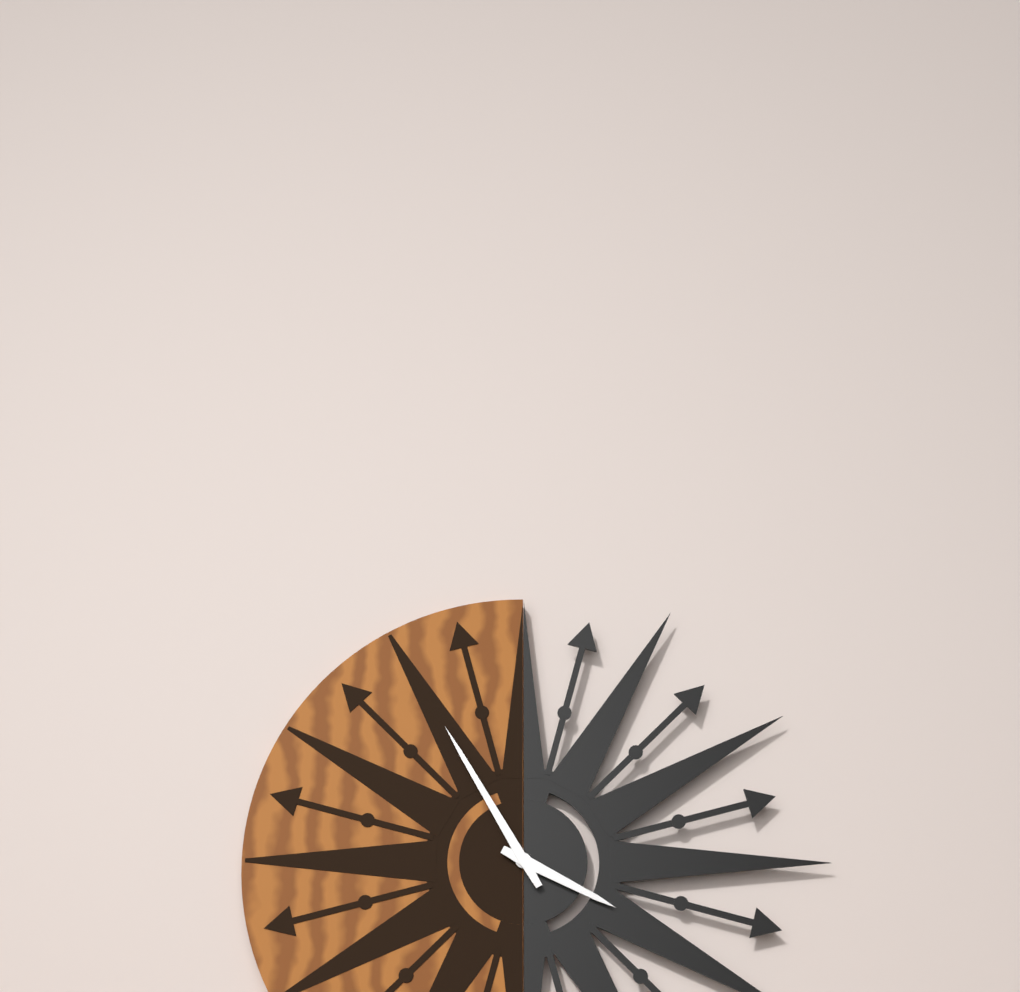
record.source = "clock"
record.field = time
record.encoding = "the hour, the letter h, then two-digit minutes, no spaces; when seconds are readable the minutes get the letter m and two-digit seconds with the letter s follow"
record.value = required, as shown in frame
3h55
